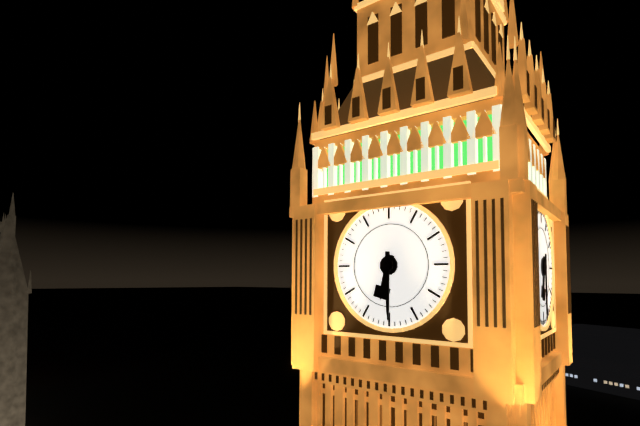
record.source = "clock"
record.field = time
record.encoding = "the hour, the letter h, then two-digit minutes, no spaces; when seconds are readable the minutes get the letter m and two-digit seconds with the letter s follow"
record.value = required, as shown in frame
6h30
